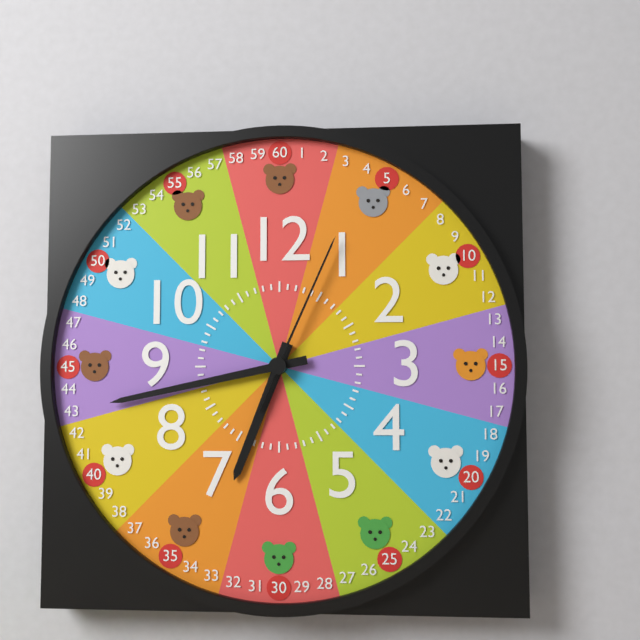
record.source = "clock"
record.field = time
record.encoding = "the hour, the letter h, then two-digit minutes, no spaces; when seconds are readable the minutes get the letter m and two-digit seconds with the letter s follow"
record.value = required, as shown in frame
6h43m04s
